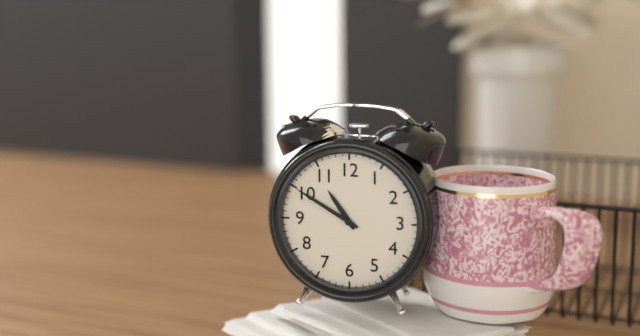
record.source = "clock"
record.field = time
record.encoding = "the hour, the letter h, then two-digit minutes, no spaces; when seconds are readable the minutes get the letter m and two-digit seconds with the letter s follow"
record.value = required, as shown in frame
10h50
